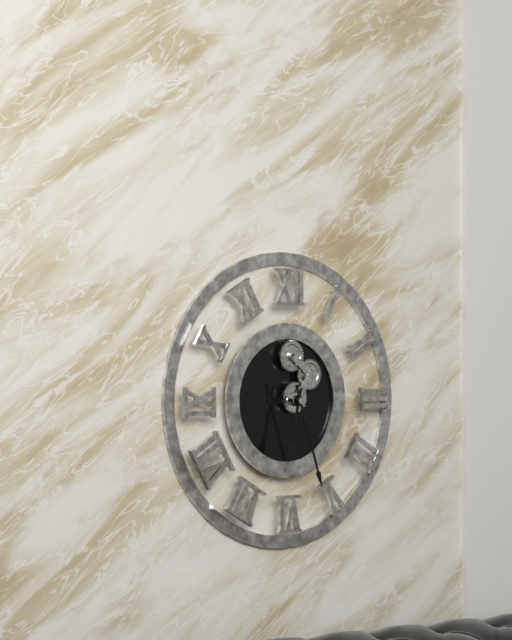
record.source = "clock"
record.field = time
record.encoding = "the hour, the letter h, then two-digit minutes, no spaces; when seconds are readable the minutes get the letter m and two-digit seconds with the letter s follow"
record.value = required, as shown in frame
6h27
